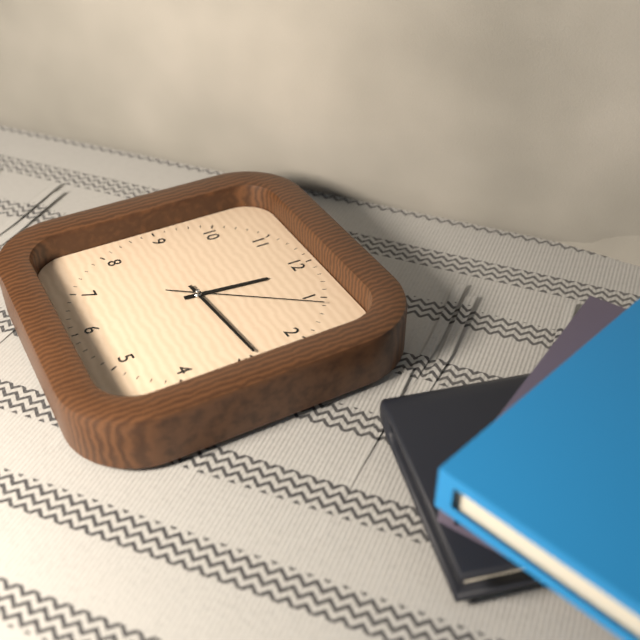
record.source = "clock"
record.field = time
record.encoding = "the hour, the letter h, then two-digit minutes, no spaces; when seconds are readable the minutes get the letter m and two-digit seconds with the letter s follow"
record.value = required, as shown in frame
12h14m06s
